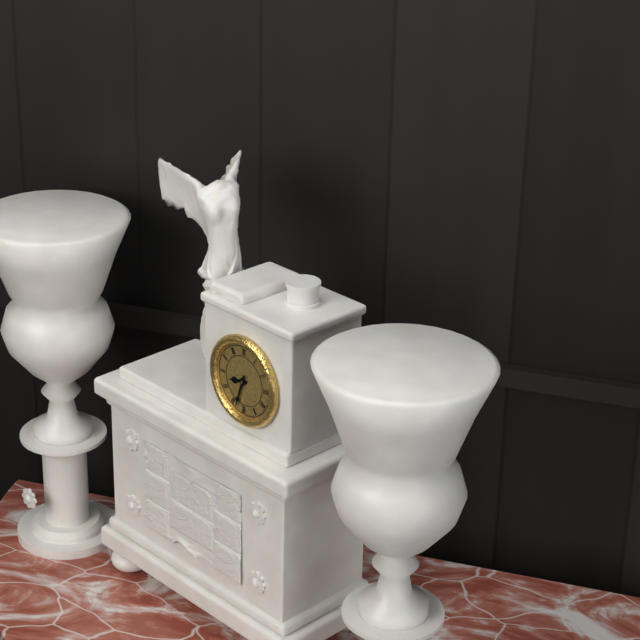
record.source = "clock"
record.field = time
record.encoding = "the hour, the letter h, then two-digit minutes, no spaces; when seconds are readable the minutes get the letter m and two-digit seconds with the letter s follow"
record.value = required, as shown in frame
8h33
